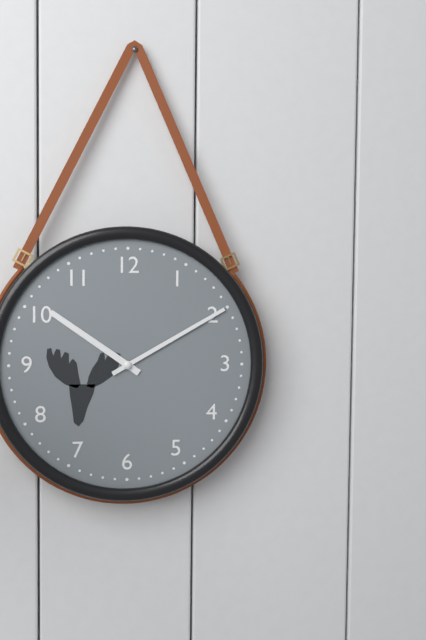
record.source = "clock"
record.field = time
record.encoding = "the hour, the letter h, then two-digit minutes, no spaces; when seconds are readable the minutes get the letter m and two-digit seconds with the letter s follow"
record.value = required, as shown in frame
10h10
